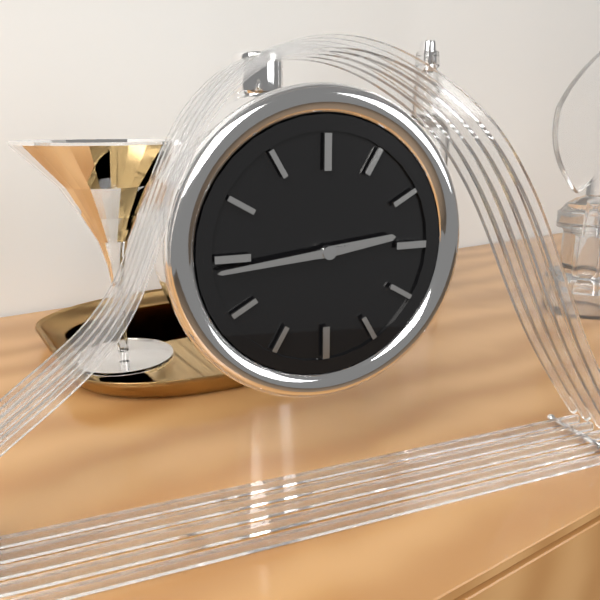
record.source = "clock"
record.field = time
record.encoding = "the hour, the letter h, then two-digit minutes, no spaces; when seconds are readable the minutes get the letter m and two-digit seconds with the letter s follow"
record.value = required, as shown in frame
2h44
